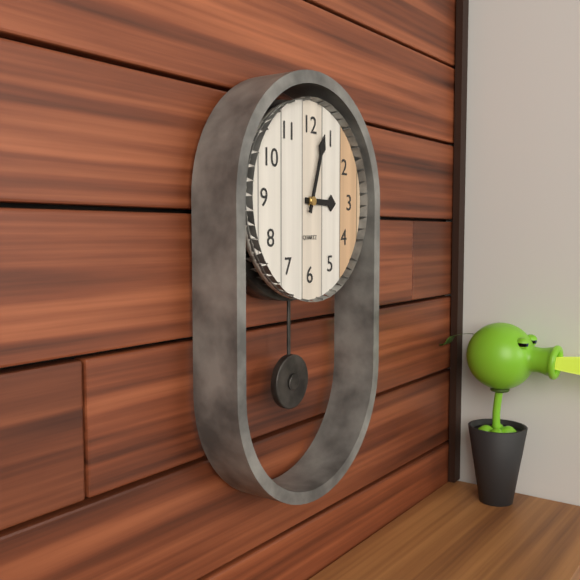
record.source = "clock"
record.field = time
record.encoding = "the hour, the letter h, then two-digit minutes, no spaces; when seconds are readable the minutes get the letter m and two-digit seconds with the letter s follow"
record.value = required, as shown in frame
3h03
